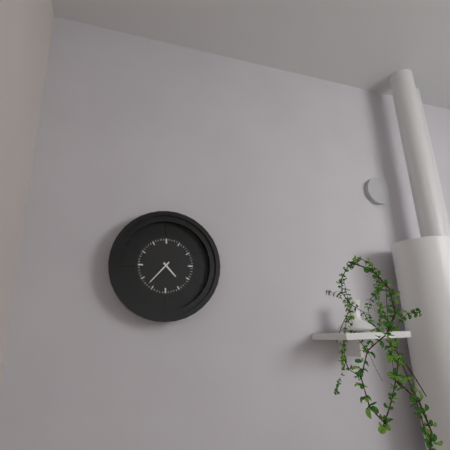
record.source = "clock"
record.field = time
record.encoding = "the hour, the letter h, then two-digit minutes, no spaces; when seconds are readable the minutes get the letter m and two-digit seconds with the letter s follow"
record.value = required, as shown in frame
4h37
